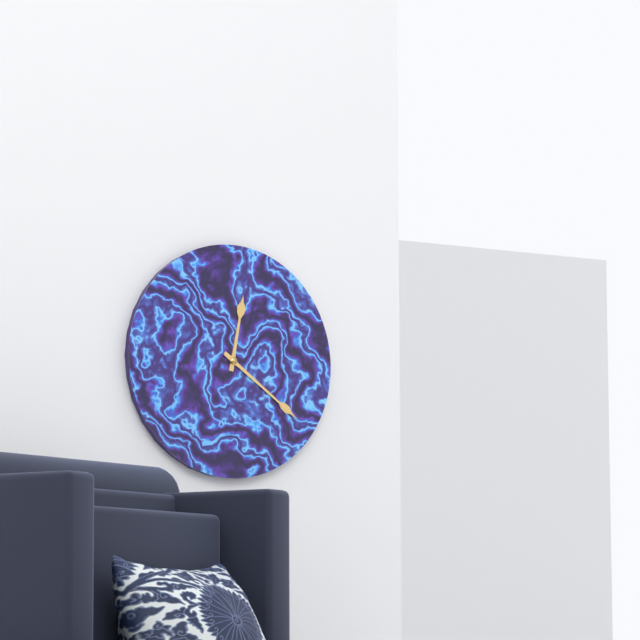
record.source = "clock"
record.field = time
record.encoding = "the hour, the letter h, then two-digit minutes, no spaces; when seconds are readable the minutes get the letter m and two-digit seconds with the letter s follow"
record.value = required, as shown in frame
12h21
